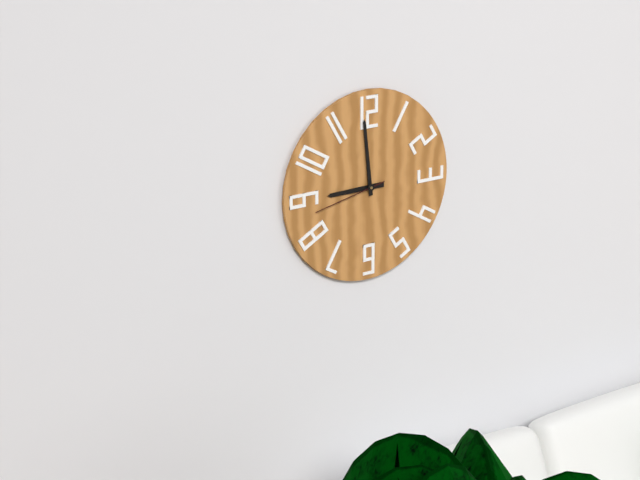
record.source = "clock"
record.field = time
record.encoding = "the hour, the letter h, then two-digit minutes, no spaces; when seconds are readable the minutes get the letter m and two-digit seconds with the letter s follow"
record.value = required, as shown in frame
8h59m43s
